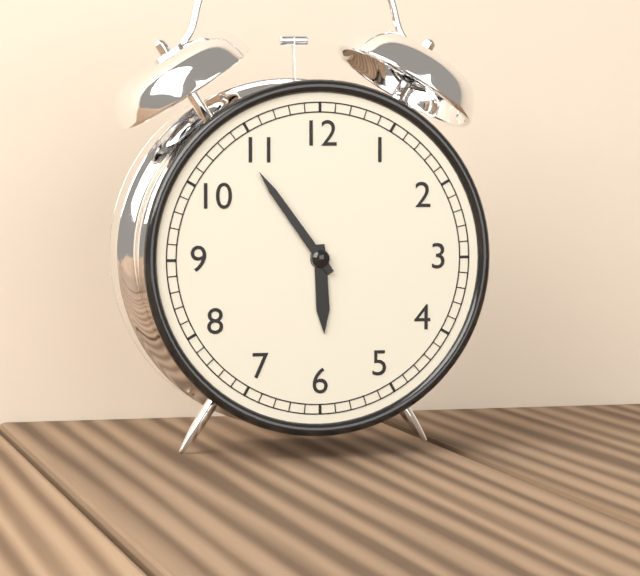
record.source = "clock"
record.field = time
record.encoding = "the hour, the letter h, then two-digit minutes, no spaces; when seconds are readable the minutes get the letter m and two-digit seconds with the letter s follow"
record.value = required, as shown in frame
5h54
